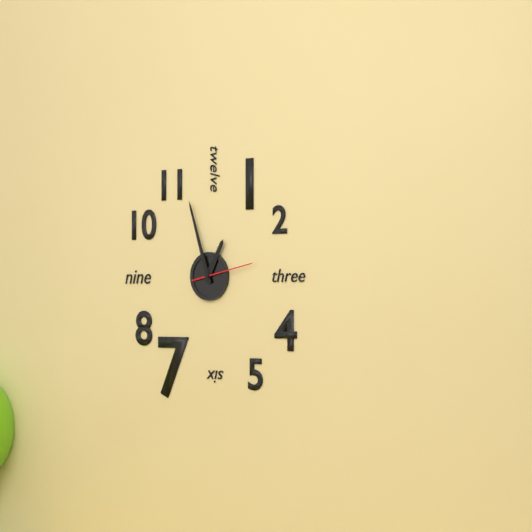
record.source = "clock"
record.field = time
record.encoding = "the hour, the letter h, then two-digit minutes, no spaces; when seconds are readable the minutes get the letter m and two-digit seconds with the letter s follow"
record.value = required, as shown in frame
12h57m13s
